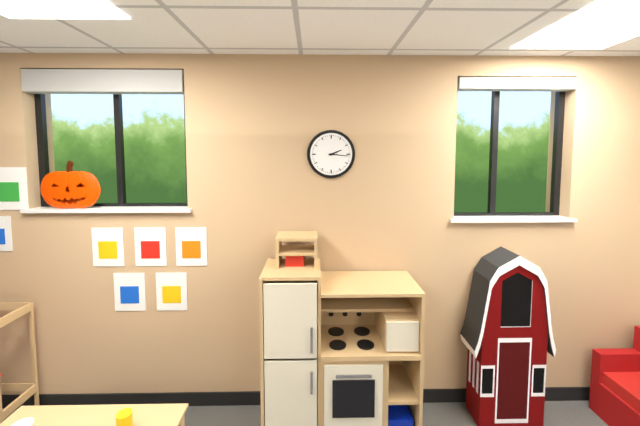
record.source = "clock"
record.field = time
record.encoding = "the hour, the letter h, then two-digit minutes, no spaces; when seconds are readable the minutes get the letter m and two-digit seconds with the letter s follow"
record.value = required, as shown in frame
2h16
